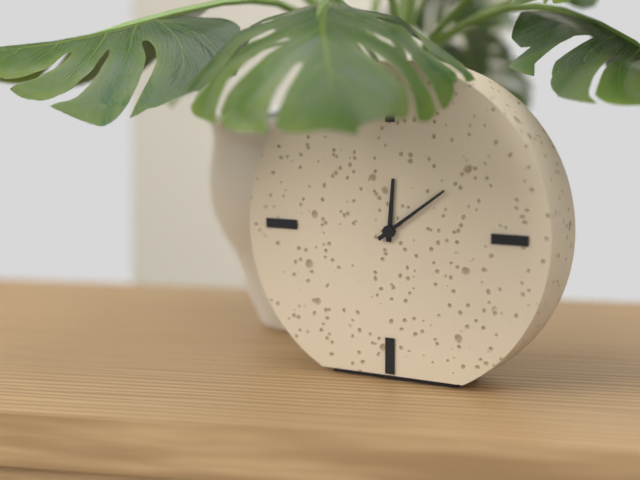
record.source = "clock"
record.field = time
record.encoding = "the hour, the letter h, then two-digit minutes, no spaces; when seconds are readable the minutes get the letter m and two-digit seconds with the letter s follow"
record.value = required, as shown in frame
12h09
